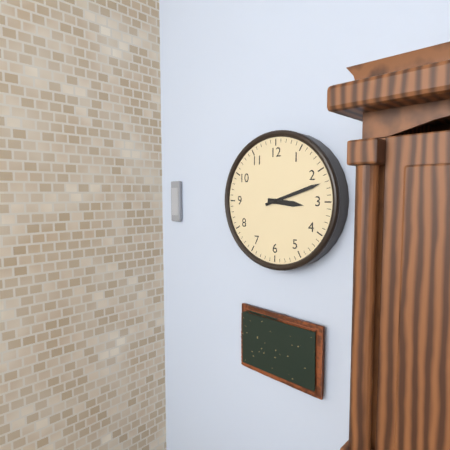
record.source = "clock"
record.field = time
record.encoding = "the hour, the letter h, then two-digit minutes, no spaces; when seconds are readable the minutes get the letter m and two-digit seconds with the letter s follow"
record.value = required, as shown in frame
3h12
